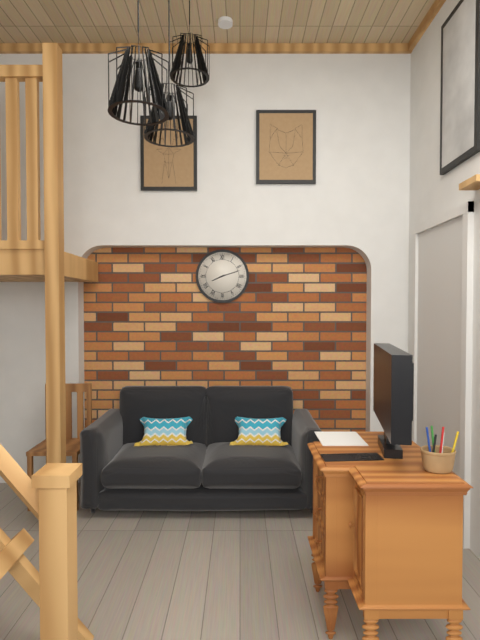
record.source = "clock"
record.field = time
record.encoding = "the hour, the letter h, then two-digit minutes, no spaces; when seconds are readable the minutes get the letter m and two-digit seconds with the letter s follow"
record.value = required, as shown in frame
8h12
